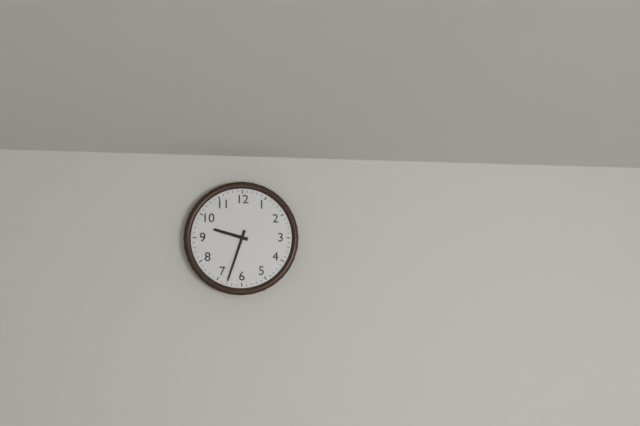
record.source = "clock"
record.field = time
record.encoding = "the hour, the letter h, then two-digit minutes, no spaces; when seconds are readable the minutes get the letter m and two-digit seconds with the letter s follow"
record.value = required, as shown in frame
9h33
